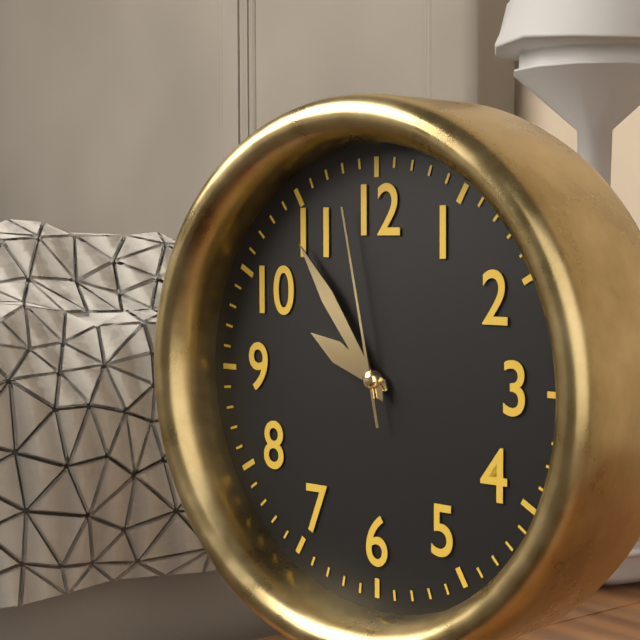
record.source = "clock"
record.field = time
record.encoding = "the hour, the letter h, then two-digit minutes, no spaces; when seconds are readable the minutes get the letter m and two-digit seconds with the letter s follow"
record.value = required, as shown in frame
9h54m58s
